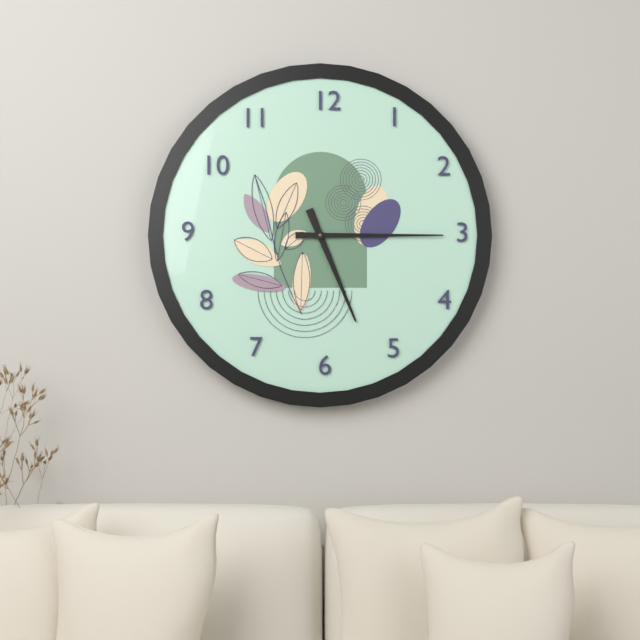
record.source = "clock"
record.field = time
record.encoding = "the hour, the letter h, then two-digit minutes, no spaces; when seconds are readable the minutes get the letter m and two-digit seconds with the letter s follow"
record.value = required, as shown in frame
5h15
